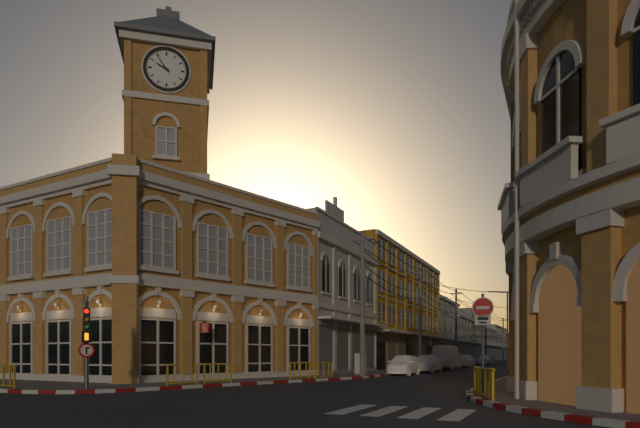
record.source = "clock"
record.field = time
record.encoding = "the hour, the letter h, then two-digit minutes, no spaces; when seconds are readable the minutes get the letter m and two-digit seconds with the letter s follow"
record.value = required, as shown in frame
9h54
